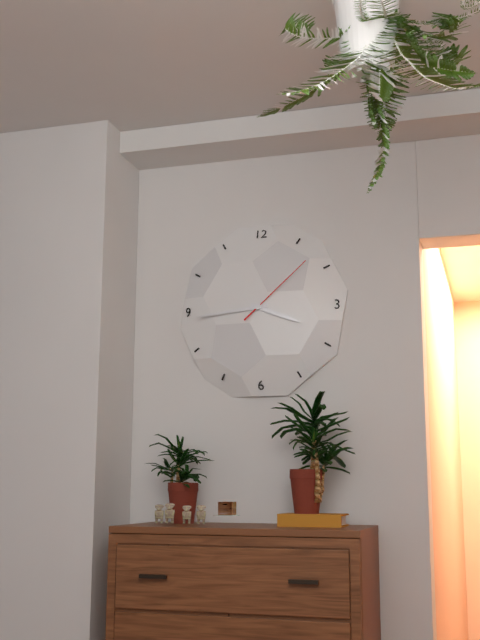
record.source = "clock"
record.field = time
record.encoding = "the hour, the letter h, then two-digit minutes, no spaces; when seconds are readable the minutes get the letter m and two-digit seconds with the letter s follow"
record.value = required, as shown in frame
3h44m08s
